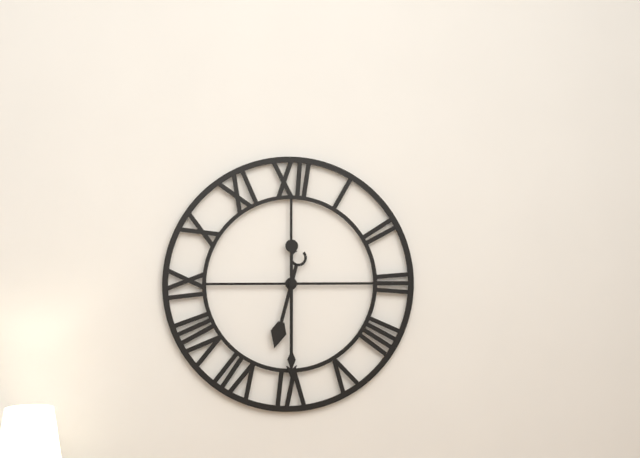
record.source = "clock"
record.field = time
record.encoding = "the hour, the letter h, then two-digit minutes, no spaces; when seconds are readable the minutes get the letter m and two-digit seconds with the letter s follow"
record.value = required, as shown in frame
6h30
